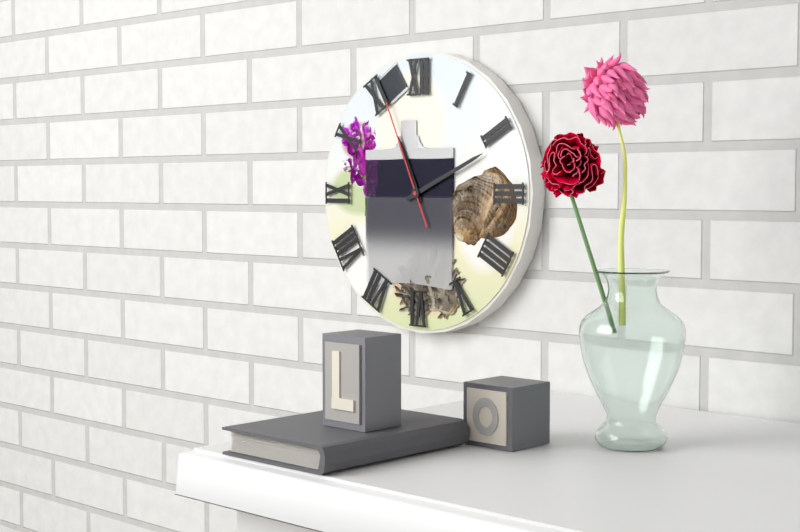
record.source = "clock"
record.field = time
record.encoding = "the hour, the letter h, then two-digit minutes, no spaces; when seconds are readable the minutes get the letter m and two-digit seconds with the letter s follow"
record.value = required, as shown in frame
11h11m56s
